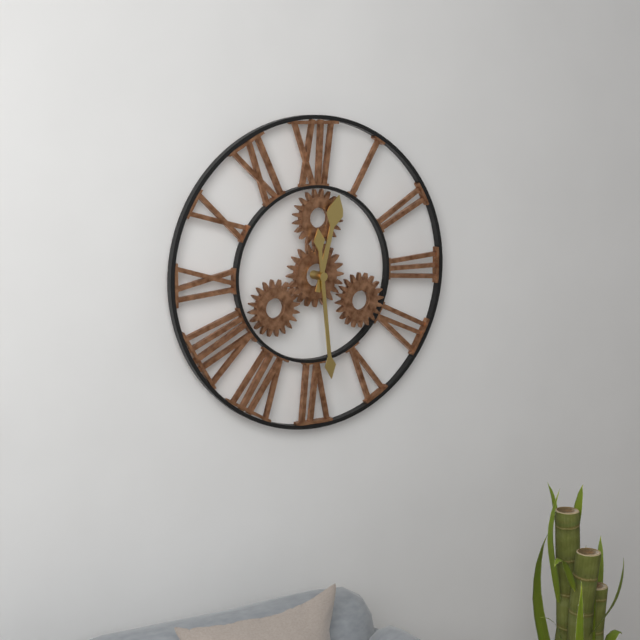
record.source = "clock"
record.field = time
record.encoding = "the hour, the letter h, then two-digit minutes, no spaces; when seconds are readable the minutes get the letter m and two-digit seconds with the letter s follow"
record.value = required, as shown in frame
12h29
